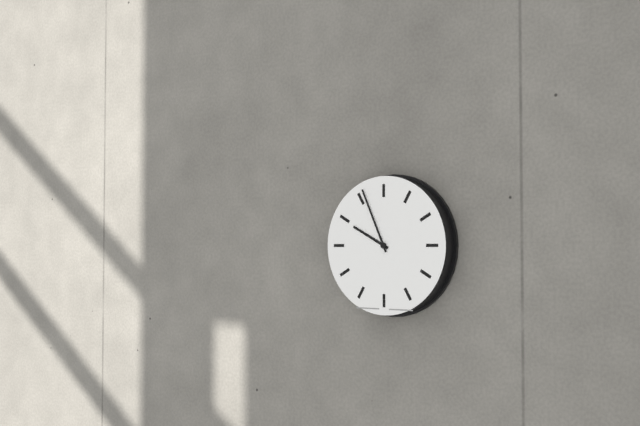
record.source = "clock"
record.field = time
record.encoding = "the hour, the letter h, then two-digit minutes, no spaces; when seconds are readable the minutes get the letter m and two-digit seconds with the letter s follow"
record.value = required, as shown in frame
9h56
